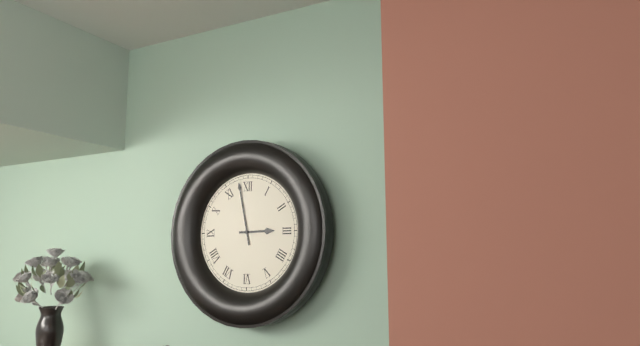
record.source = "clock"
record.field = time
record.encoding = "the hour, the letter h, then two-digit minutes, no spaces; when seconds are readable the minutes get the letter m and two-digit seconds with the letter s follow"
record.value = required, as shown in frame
2h58
